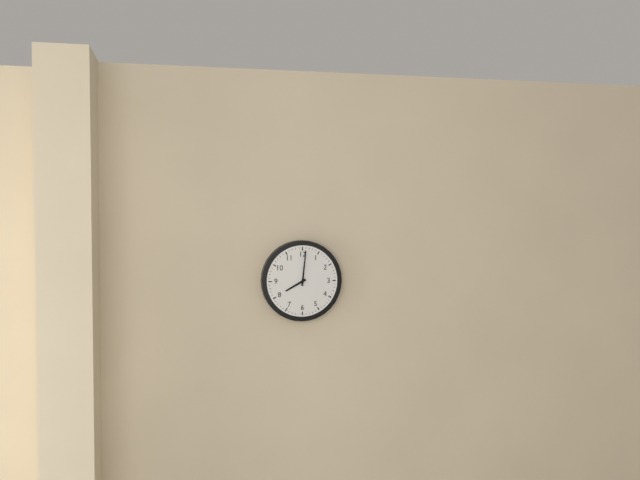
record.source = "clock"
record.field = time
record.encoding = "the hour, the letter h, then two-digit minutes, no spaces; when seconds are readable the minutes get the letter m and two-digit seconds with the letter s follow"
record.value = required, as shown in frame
8h01
